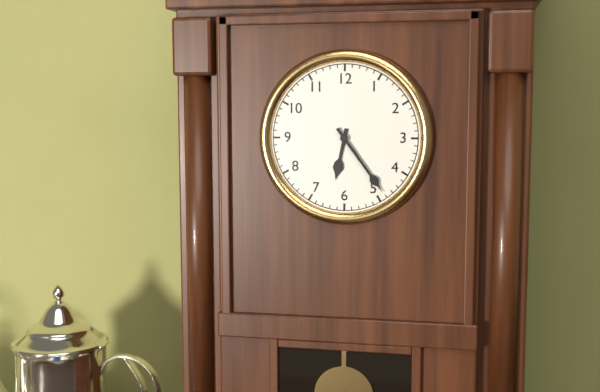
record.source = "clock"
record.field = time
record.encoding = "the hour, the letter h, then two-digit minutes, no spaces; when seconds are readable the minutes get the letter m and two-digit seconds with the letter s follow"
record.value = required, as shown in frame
6h24
